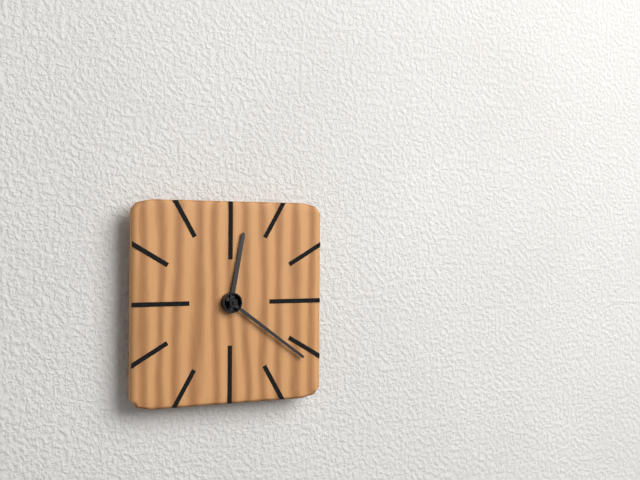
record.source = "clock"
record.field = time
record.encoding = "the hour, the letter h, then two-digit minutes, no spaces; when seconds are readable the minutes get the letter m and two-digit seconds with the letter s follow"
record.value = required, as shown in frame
12h21
